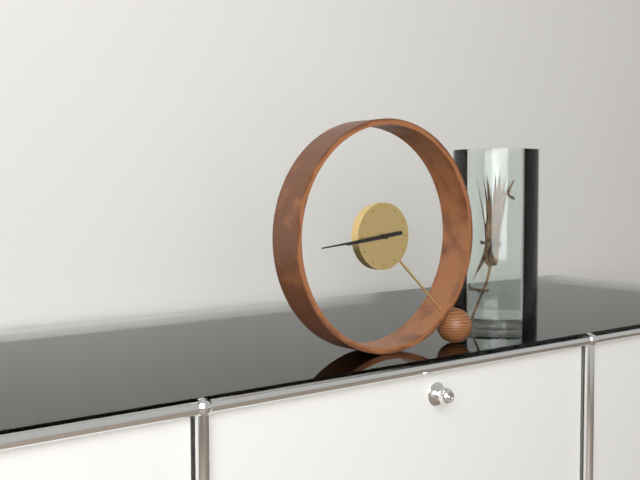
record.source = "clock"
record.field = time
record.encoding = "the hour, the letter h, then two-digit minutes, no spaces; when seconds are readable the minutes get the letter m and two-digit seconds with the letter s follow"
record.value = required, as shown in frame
8h44
